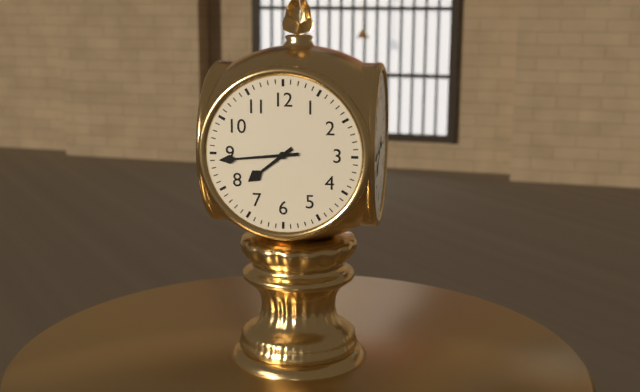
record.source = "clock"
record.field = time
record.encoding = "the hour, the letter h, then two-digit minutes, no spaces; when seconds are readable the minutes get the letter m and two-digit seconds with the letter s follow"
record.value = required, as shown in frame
7h44
